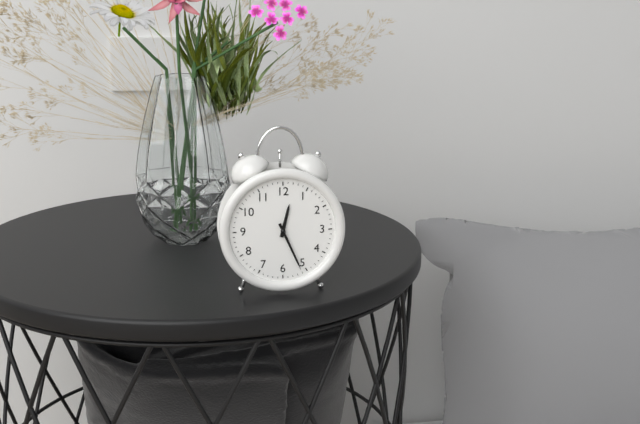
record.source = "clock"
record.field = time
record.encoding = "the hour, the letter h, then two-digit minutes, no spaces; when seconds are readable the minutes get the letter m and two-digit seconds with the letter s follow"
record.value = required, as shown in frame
12h26
